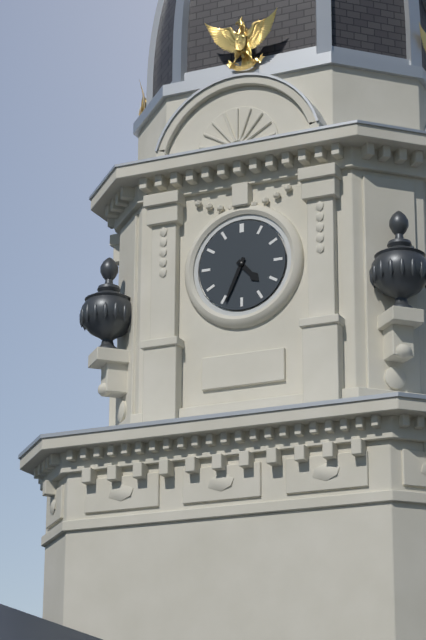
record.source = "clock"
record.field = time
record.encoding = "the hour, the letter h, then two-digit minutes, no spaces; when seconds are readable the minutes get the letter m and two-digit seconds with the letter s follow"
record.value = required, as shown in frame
4h34
